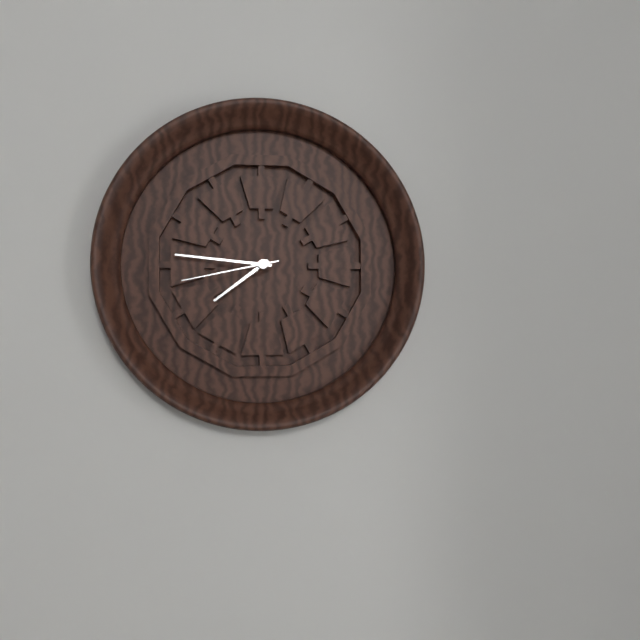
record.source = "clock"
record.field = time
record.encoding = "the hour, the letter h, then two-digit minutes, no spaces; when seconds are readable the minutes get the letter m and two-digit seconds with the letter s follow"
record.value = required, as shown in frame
7h46m43s
